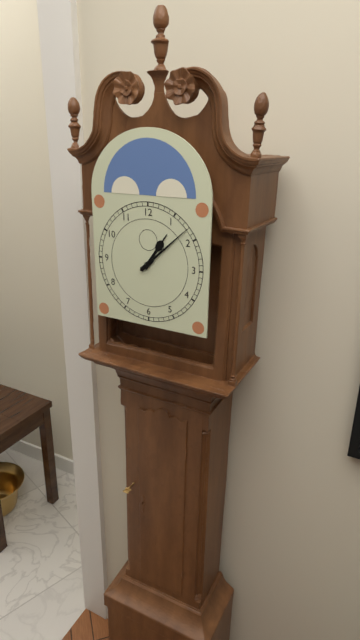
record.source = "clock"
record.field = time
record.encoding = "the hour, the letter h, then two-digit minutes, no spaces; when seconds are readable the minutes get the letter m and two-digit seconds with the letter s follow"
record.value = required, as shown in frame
1h08
